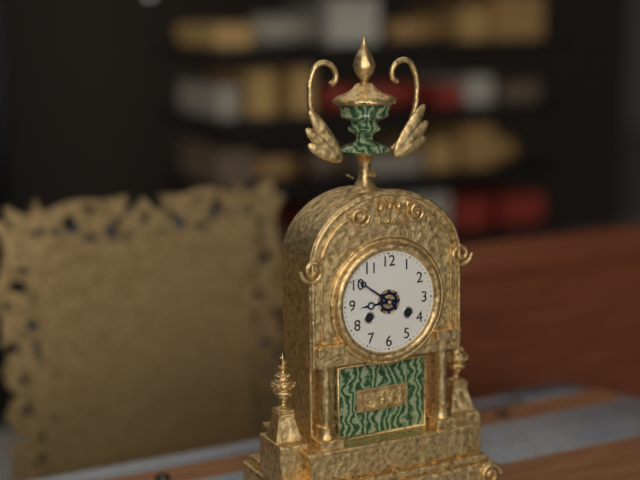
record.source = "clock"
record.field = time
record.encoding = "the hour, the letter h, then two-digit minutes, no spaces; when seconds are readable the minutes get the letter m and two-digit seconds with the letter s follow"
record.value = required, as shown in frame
8h51
